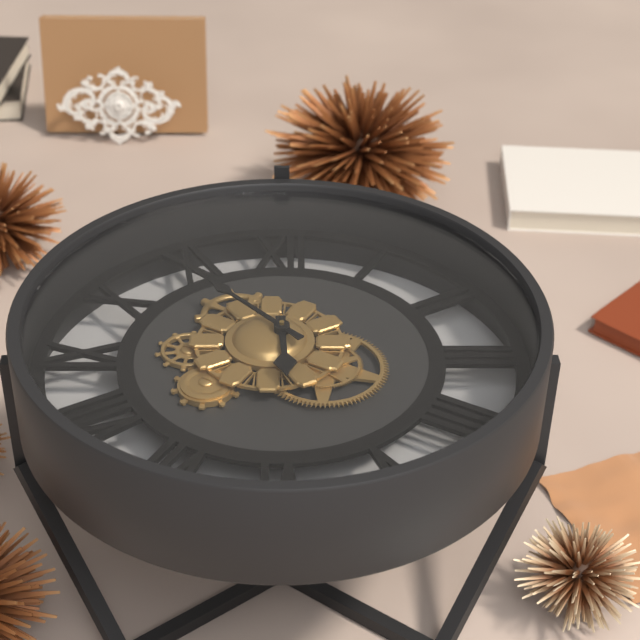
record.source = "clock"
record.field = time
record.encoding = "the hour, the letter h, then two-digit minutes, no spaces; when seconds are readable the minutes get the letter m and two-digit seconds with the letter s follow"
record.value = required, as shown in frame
5h53
